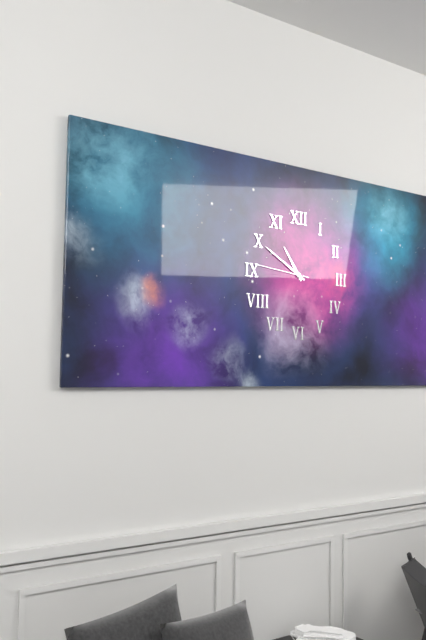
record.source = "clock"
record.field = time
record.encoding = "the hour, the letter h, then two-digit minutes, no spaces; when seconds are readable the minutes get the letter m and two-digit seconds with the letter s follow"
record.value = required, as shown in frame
10h50m46s
